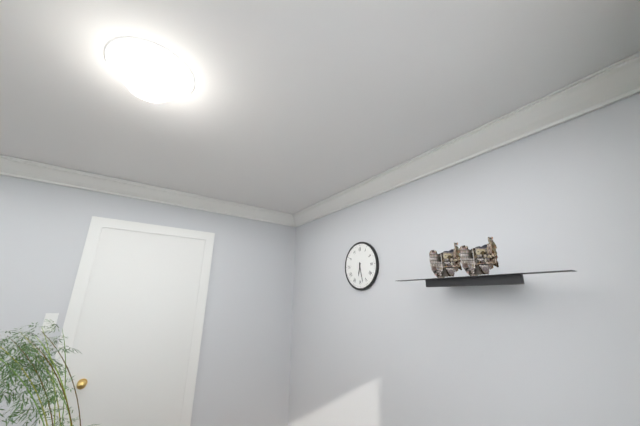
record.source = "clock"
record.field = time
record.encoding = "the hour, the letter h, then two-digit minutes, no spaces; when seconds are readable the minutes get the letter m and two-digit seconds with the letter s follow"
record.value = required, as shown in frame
6h28
